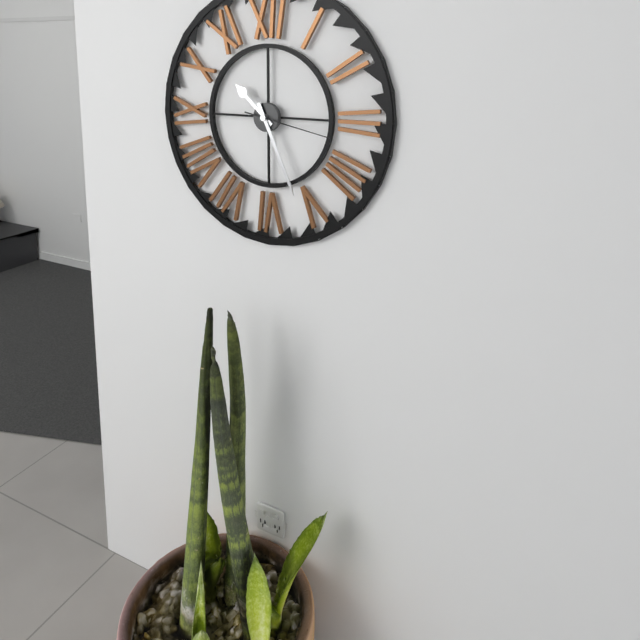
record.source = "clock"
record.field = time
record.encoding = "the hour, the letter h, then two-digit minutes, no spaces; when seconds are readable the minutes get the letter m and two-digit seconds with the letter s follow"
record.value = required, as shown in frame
10h26m17s
